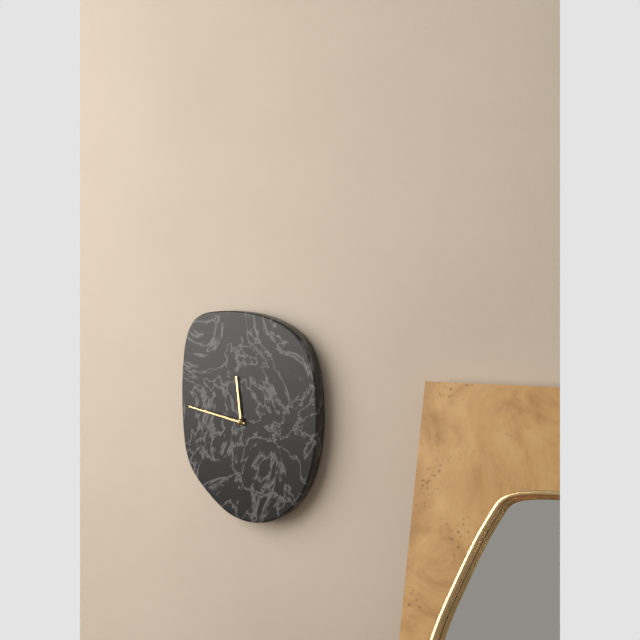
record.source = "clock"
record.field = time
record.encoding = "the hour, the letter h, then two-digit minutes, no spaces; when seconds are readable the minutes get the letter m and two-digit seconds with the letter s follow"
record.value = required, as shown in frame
11h47
